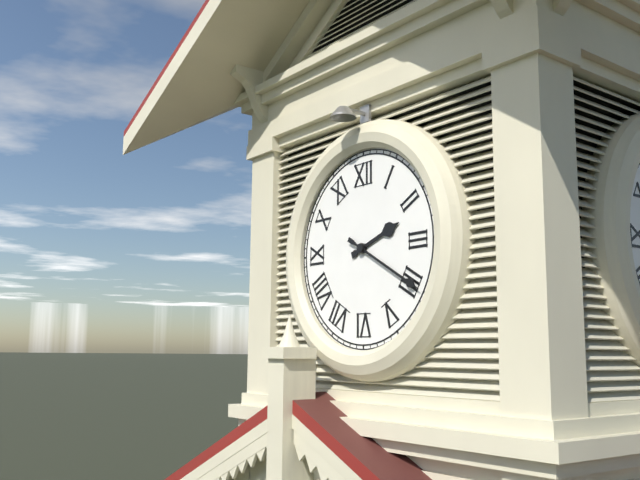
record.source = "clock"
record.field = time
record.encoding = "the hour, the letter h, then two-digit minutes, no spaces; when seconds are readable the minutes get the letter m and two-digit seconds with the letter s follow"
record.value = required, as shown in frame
2h20
